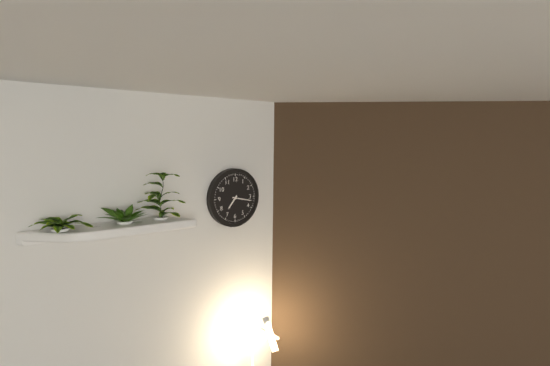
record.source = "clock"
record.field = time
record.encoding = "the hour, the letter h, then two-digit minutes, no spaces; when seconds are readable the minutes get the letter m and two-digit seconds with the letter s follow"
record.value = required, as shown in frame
7h17
